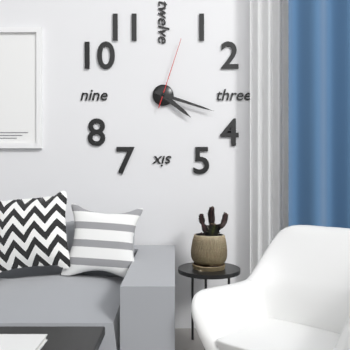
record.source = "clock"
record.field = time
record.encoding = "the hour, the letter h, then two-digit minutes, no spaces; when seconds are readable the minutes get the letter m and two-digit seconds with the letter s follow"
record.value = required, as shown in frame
4h18m03s
